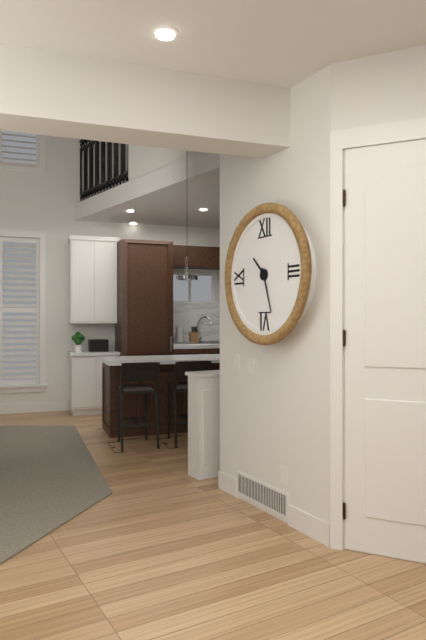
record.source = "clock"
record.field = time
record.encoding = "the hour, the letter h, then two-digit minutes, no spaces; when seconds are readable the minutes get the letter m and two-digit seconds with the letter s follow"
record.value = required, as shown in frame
10h27
